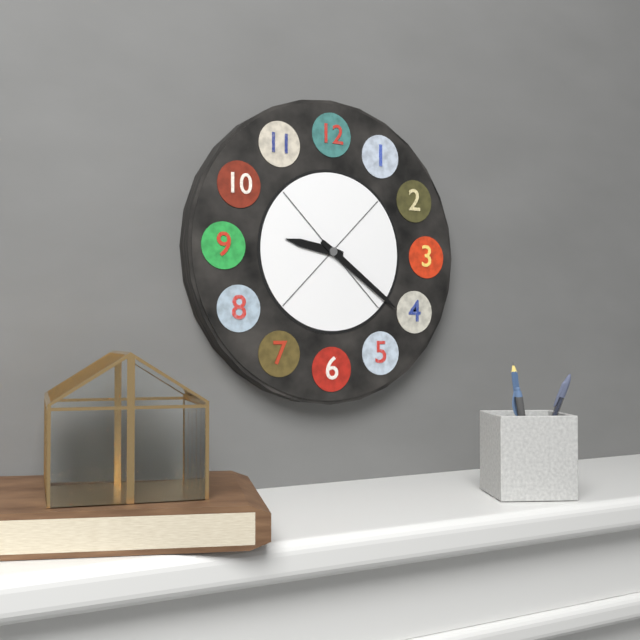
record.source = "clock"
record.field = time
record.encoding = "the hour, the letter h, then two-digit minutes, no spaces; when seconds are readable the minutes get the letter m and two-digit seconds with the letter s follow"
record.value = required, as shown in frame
9h21
